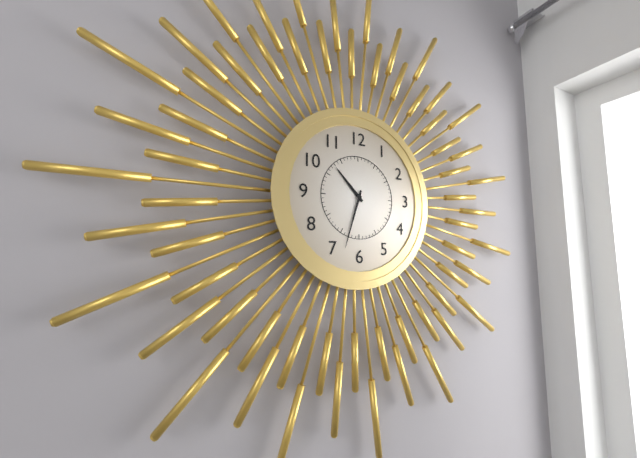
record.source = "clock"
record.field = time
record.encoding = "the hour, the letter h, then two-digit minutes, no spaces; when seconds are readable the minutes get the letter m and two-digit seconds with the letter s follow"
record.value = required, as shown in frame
10h33
